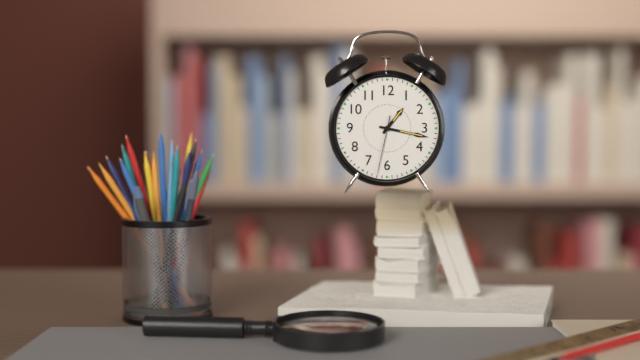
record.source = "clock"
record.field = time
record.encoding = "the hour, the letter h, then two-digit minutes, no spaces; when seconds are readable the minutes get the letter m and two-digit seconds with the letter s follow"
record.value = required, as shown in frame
1h17m32s
